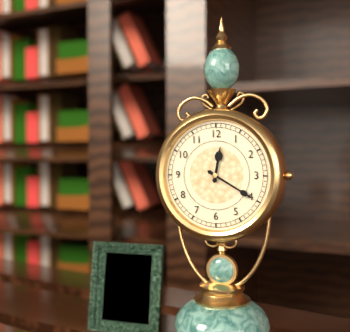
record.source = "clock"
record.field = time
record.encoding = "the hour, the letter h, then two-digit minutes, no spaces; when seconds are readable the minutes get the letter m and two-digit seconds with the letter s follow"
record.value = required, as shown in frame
12h20
